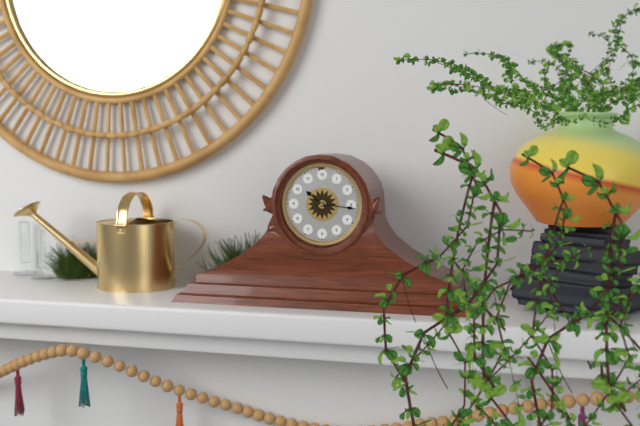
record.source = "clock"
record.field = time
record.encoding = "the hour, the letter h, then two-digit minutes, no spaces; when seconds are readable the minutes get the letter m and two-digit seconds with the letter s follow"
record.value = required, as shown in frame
10h16
